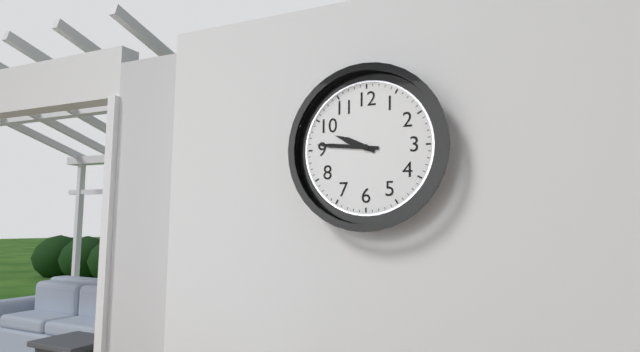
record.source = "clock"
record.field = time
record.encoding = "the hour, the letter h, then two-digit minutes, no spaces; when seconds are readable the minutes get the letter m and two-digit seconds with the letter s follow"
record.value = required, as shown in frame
9h46
